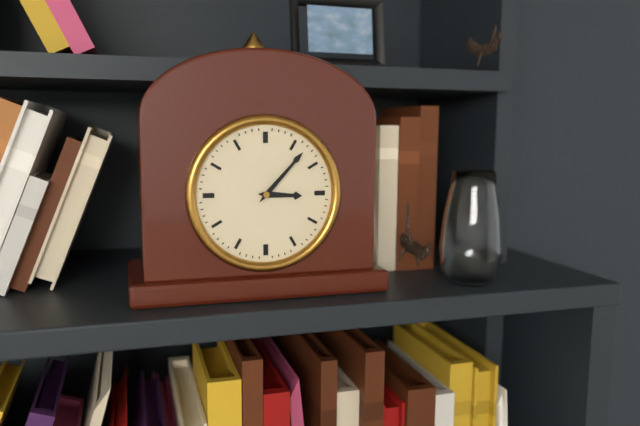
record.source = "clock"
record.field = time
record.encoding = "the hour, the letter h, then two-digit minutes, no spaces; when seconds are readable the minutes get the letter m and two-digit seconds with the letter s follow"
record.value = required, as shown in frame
3h07
